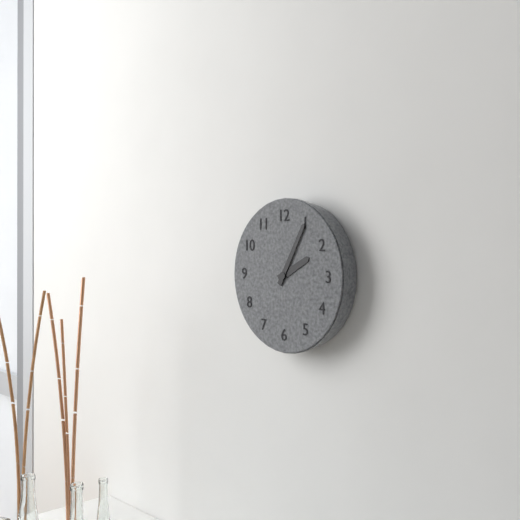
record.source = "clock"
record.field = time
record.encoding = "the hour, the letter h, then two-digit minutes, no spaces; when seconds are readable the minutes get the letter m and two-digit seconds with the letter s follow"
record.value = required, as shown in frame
2h05
